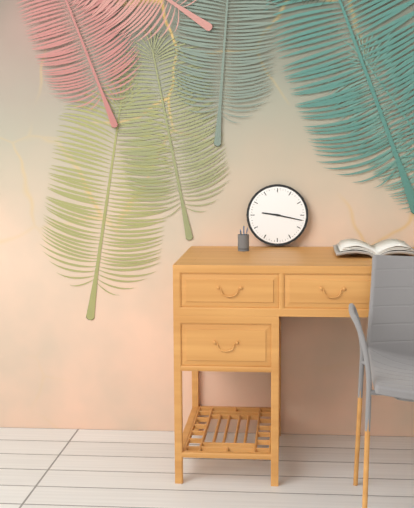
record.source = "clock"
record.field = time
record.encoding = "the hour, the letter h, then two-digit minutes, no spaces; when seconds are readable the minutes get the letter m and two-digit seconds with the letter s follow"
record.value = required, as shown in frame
9h17
